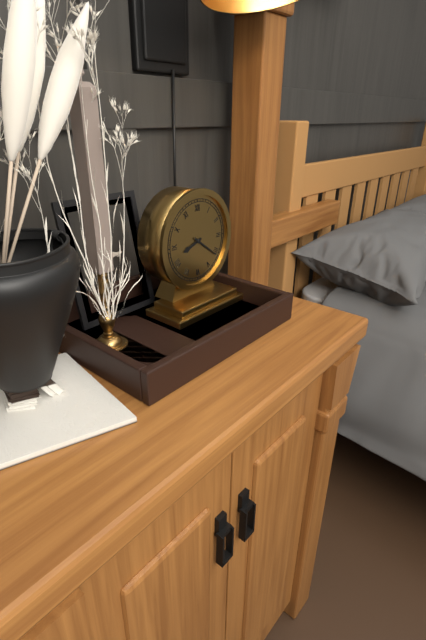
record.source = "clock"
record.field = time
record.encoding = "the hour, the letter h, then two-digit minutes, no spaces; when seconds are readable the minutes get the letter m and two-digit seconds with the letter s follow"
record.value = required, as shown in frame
8h21
